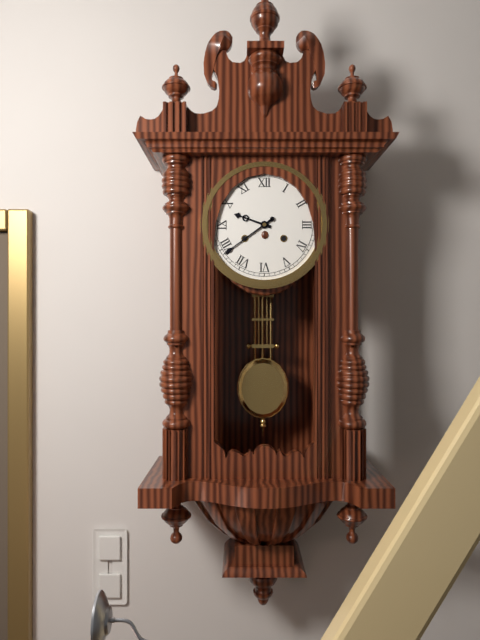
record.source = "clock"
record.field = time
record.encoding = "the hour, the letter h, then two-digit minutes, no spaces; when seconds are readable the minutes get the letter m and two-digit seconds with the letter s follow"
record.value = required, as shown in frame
9h39
